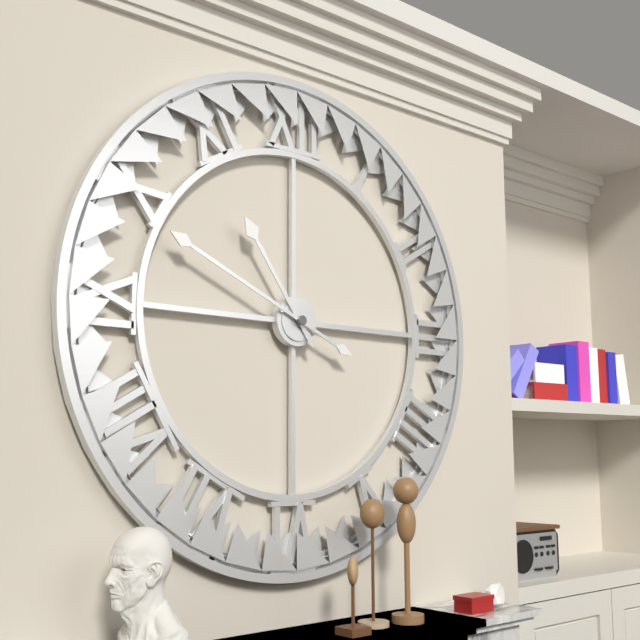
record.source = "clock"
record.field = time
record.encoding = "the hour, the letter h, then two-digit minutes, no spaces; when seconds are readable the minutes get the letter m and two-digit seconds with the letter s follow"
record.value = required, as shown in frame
10h49
